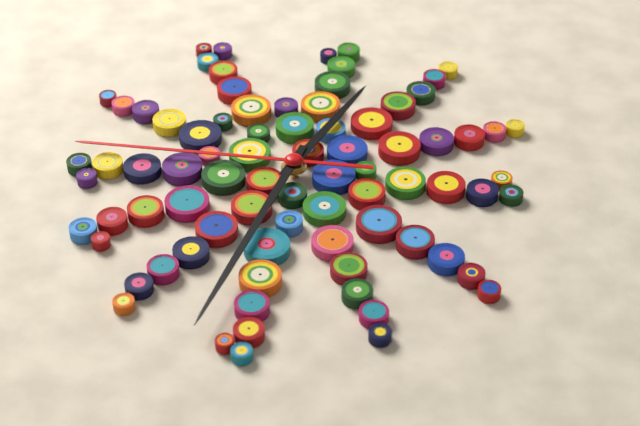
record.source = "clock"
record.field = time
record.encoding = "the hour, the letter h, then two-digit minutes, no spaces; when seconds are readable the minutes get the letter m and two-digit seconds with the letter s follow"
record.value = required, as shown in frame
12h31m44s
